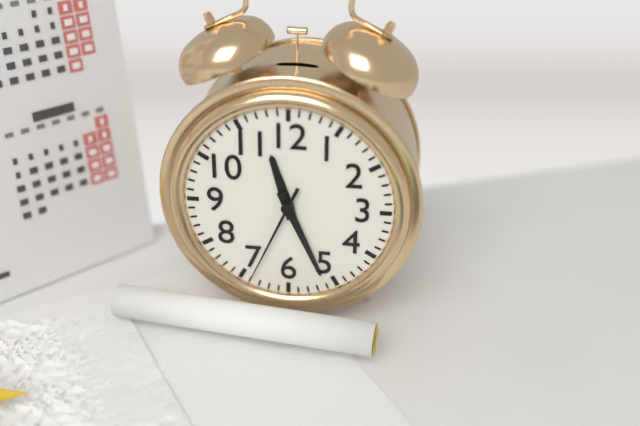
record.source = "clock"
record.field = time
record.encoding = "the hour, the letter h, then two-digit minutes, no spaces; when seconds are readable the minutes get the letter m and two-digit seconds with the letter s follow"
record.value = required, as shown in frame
11h26m34s
